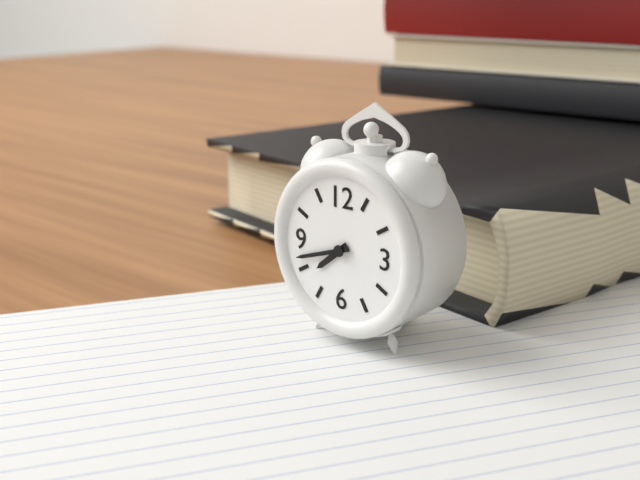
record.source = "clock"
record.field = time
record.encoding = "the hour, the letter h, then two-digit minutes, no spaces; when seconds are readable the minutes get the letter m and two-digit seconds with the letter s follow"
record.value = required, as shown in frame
7h42
